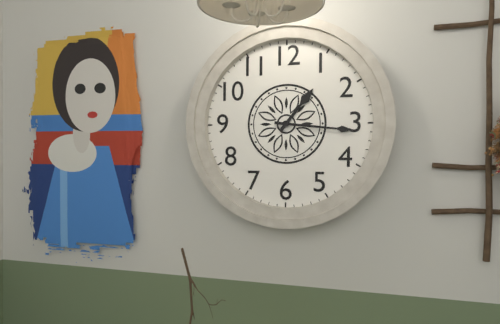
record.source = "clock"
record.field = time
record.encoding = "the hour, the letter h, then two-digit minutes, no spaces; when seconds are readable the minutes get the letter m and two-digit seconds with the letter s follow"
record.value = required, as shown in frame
1h16
